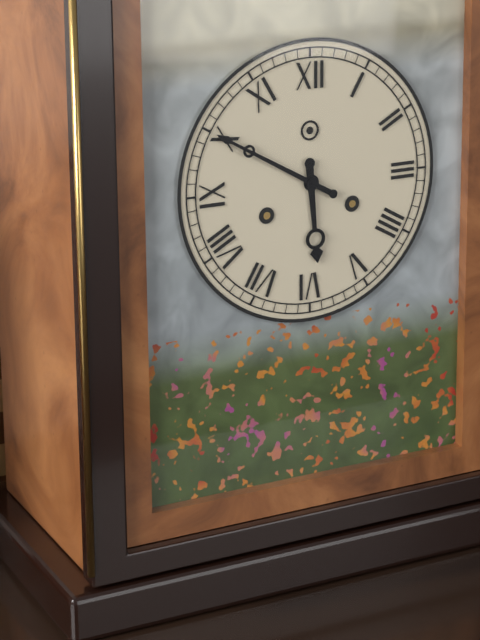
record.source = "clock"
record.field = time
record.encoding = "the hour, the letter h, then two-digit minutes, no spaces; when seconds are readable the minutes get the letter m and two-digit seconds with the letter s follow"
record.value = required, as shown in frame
5h50
